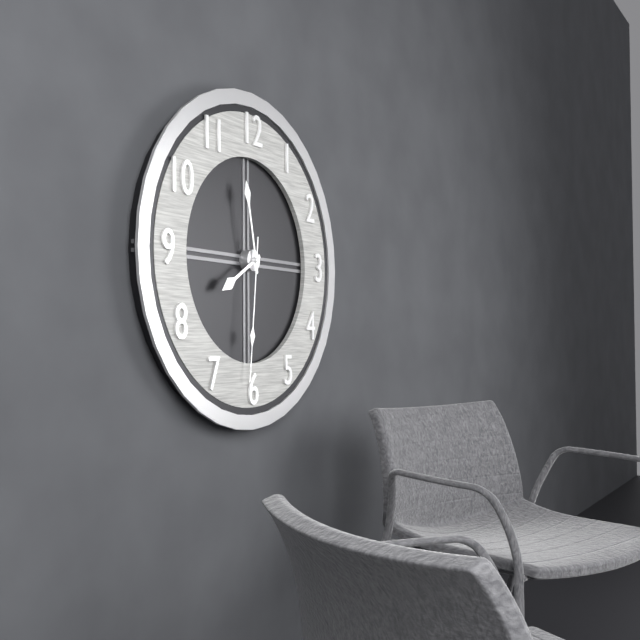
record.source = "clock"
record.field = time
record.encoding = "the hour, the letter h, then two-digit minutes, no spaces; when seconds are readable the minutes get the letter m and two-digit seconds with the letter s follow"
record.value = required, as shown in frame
7h58m31s
